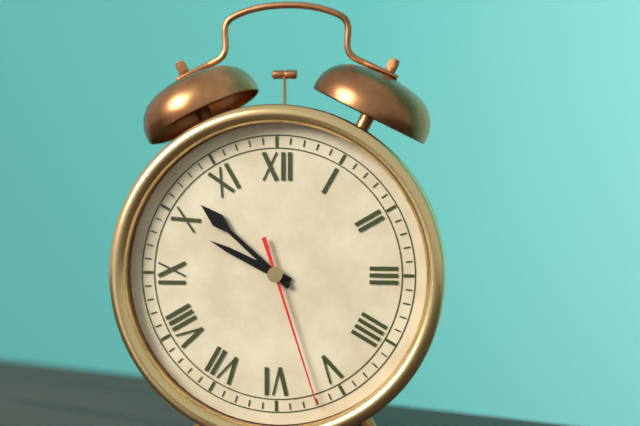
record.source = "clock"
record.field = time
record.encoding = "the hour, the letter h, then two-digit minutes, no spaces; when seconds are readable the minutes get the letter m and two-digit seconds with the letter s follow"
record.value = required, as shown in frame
9h52m27s
